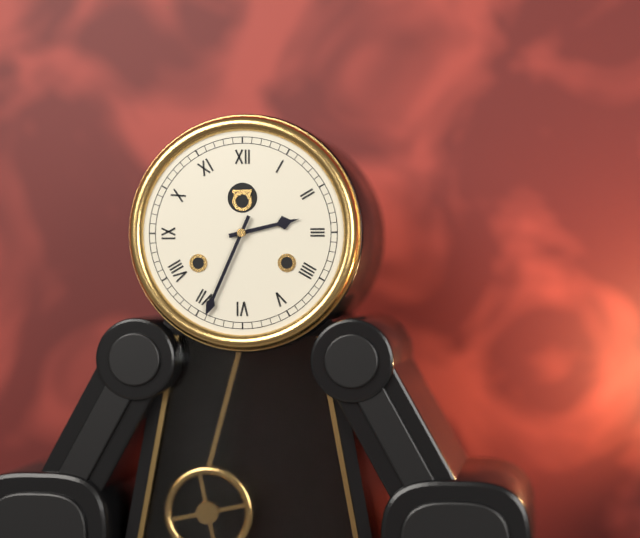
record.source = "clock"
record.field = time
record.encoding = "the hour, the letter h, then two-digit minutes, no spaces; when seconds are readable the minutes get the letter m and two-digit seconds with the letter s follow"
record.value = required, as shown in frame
2h34
